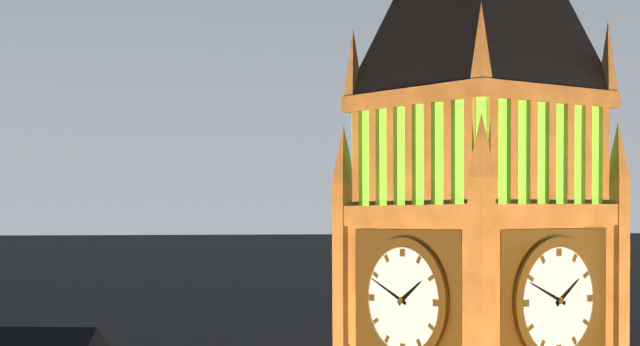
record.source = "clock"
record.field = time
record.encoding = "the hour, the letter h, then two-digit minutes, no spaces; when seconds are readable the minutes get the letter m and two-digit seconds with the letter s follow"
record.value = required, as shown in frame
1h49
